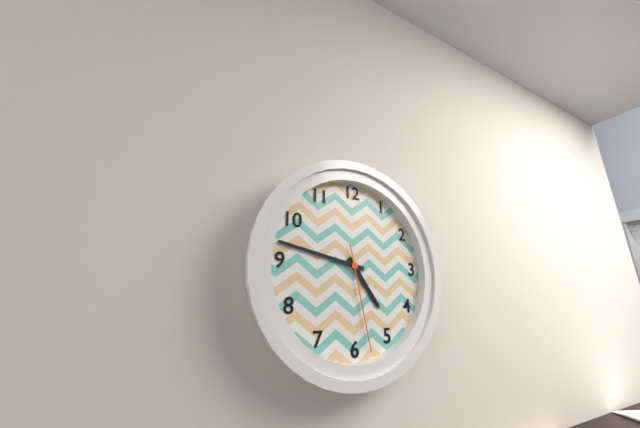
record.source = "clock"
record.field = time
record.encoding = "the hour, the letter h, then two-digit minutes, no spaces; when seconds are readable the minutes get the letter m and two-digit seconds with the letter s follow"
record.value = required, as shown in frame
4h47m28s
